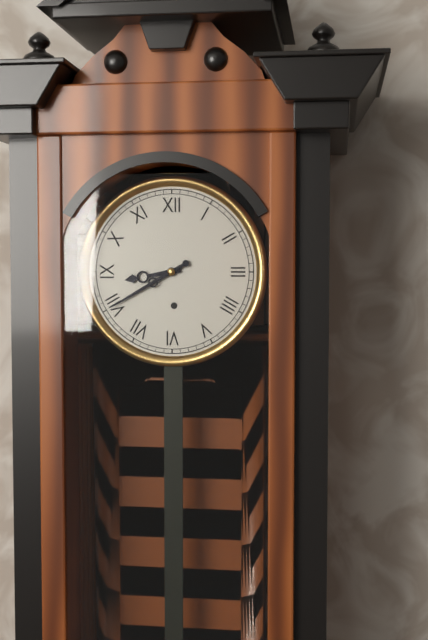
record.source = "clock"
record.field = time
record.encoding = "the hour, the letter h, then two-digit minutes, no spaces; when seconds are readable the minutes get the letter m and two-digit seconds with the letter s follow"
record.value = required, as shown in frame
8h40
